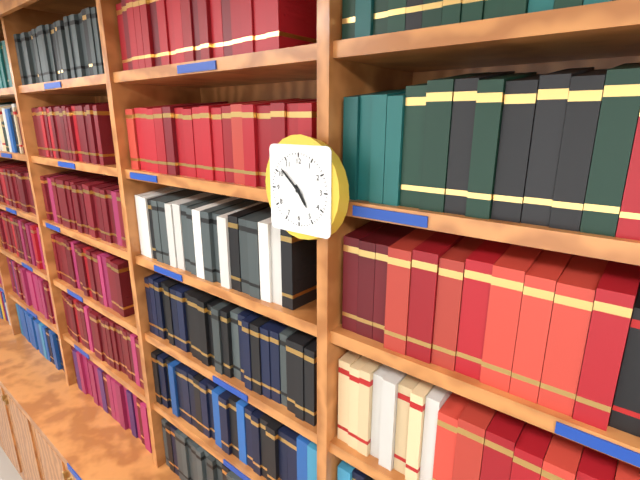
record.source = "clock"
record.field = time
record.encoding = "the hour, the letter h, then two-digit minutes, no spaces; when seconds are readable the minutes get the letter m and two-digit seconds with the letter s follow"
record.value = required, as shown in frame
4h52
